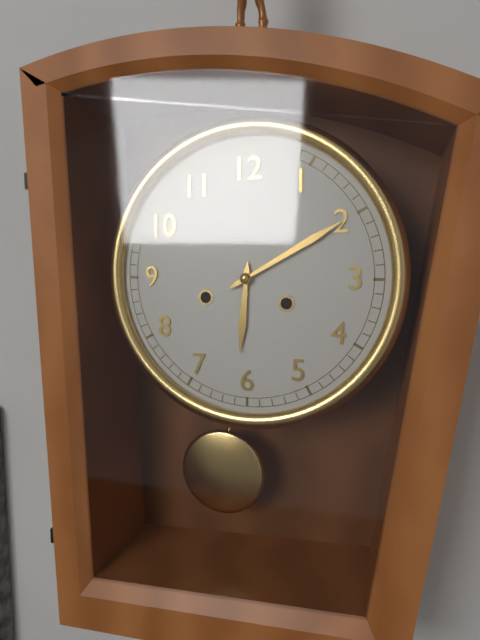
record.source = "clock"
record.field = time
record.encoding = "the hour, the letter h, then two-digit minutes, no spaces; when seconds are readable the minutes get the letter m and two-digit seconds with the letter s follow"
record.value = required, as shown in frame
6h10
